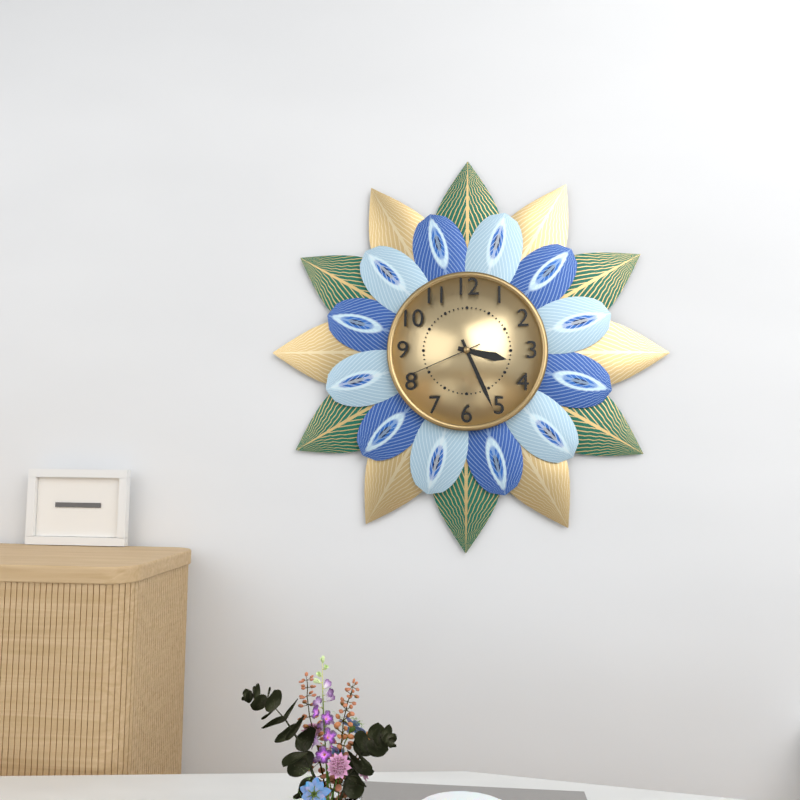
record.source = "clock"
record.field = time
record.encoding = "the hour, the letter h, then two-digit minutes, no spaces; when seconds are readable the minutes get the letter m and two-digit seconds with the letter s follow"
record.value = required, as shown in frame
3h26m41s
